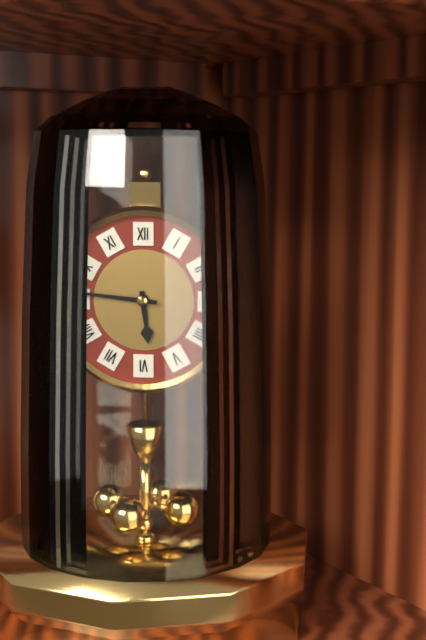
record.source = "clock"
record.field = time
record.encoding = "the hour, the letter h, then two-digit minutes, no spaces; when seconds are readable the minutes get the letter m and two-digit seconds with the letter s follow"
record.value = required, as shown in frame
5h46
